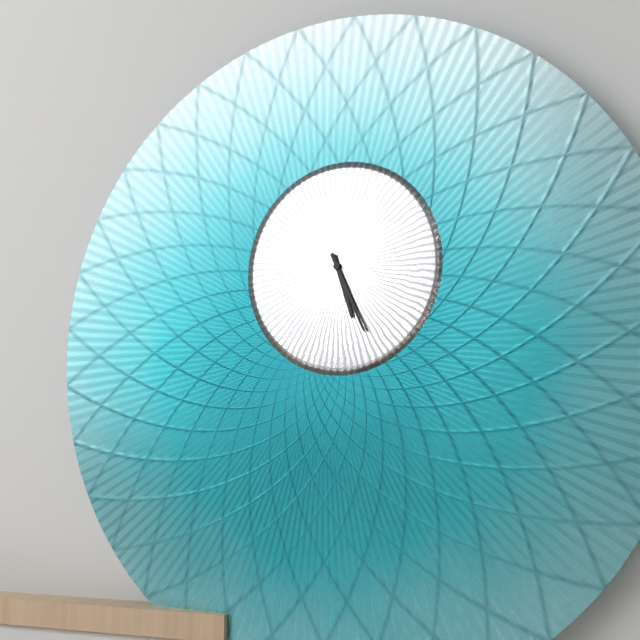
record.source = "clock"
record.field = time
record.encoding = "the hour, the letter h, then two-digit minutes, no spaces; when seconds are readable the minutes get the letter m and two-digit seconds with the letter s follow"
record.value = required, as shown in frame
5h26
